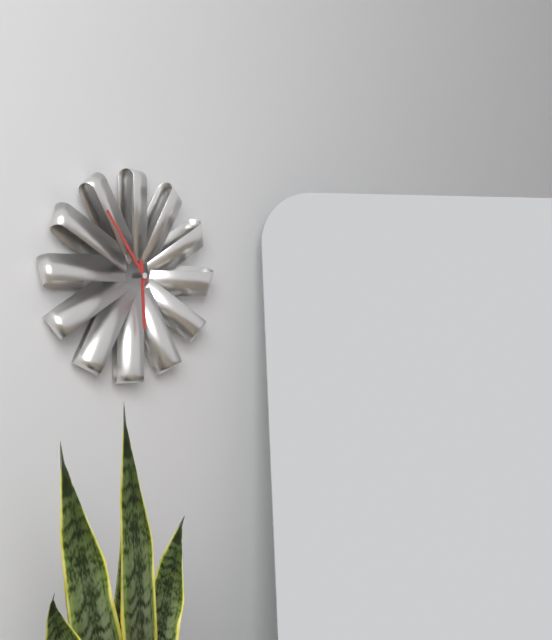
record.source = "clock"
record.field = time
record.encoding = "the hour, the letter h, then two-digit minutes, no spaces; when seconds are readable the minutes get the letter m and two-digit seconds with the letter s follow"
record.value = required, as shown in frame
5h54
